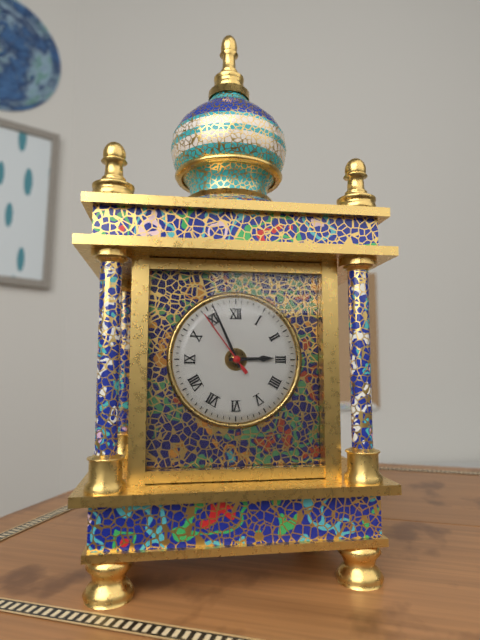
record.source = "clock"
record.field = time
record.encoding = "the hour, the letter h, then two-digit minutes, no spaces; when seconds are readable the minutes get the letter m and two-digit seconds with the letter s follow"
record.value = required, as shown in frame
2h56m54s
